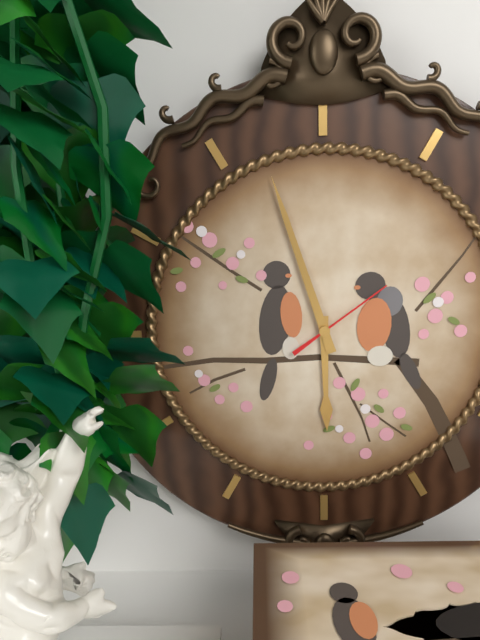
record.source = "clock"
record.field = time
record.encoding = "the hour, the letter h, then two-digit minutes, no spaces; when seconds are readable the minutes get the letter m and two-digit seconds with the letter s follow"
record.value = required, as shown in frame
5h57m09s
